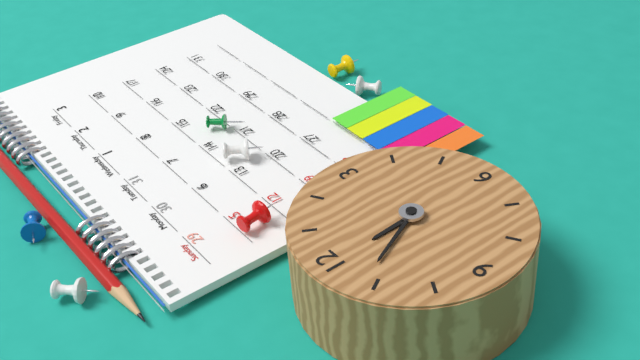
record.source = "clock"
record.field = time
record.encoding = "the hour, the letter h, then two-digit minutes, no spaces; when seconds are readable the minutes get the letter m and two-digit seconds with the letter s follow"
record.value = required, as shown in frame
11h56
